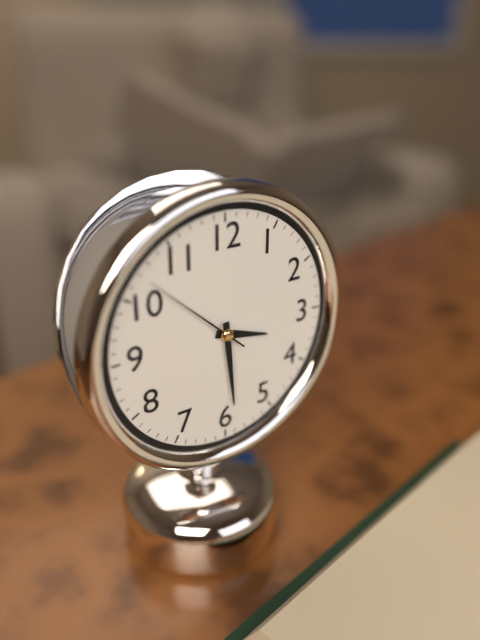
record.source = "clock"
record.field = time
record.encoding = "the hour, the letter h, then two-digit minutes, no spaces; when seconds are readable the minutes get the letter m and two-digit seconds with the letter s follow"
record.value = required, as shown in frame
3h29m52s
